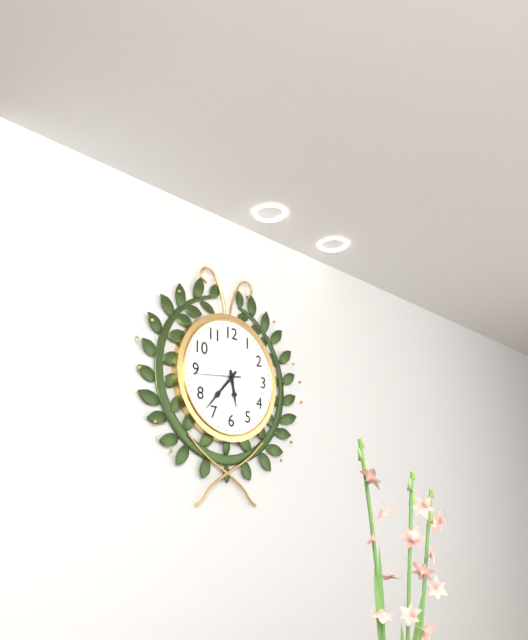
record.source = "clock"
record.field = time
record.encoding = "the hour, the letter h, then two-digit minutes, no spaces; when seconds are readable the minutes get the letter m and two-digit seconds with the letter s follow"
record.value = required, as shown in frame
5h37
